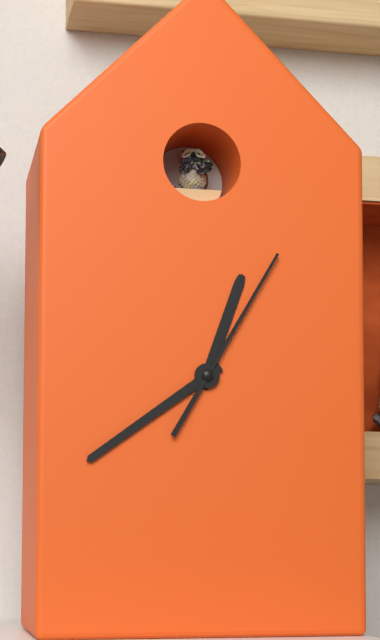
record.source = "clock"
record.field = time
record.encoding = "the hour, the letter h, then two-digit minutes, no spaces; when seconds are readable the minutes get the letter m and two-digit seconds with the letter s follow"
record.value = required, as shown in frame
12h39m05s
